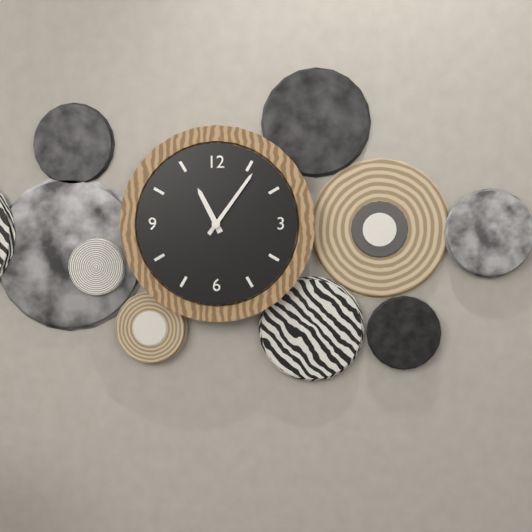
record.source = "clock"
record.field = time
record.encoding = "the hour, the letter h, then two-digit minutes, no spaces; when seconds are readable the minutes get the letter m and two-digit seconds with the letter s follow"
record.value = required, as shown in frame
11h06
